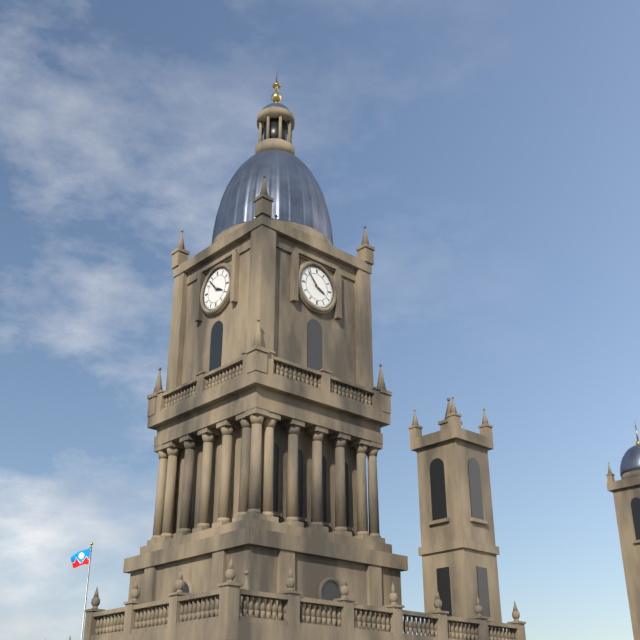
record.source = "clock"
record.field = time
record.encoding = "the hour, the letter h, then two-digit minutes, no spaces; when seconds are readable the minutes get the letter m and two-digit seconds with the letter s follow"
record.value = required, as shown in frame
3h53
